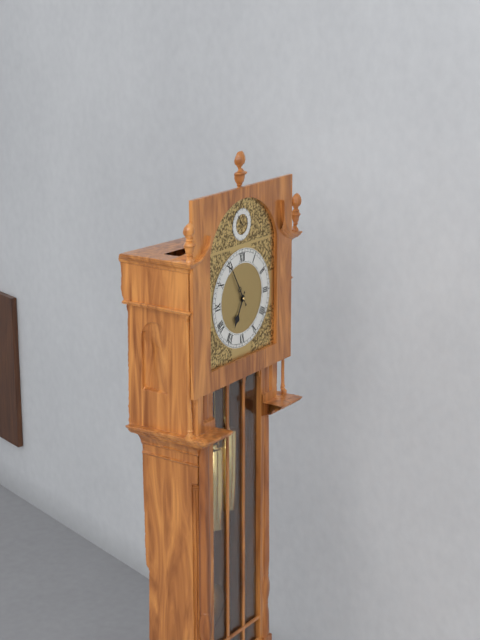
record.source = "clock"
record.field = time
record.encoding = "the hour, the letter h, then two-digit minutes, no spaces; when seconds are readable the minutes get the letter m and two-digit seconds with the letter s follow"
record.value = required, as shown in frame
6h55
